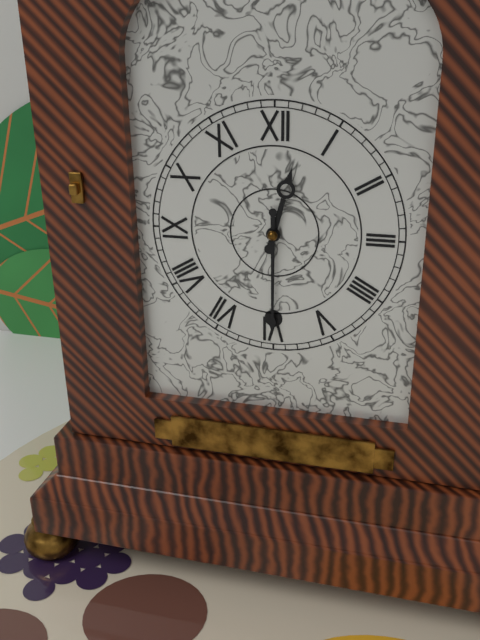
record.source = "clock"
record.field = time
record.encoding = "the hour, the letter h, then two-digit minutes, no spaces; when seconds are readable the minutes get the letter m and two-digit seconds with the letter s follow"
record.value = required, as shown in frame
12h30
